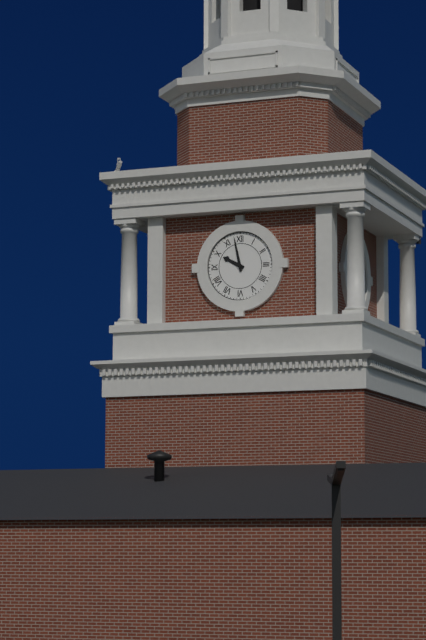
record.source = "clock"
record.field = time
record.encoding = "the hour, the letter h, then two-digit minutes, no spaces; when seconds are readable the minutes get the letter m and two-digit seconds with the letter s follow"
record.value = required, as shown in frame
9h58
